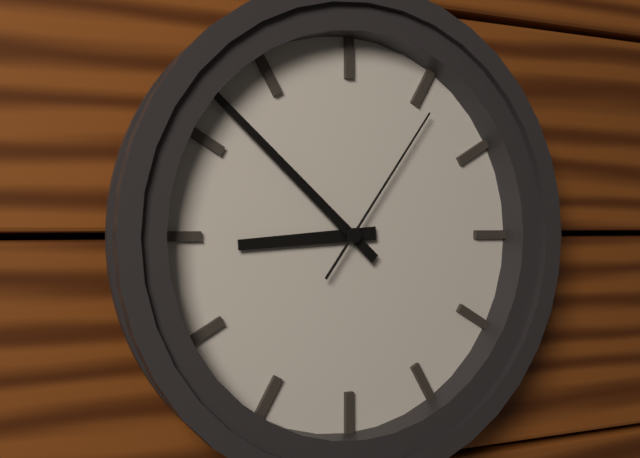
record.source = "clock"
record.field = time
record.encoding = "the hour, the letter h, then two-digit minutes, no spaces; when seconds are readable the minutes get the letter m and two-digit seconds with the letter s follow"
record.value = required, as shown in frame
8h52m06s
